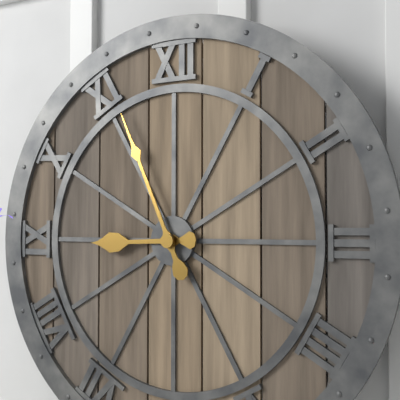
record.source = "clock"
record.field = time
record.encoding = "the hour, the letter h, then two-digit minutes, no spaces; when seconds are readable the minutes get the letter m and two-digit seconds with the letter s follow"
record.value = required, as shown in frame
8h56
